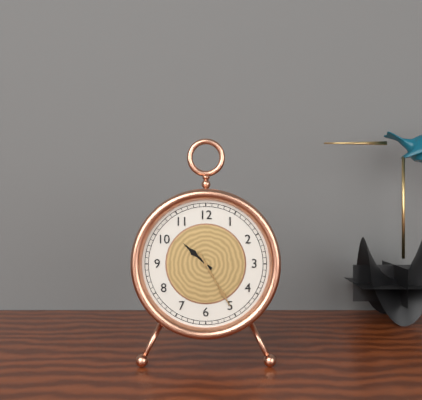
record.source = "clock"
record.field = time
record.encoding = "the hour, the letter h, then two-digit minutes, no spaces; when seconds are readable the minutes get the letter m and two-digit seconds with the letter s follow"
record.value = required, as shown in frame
10h25
